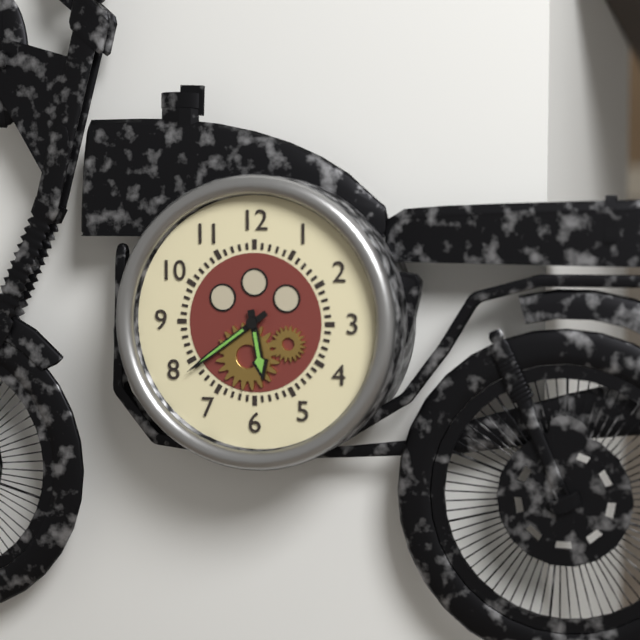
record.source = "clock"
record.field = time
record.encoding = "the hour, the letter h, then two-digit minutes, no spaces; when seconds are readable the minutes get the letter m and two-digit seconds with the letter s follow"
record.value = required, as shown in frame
5h39
